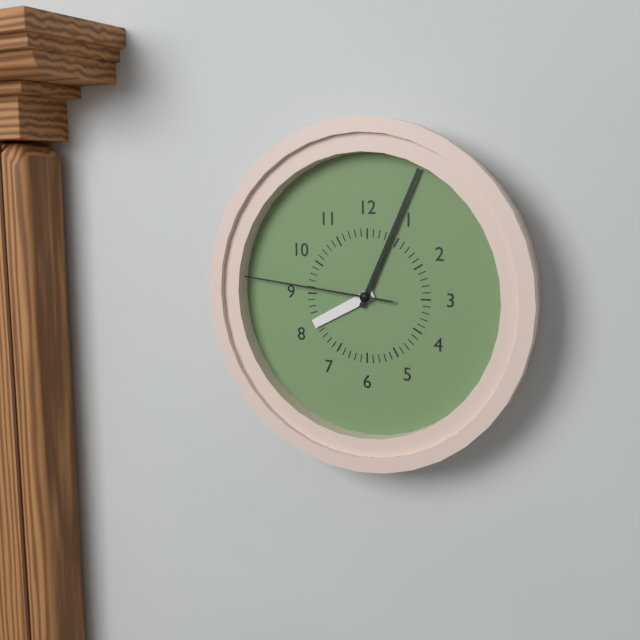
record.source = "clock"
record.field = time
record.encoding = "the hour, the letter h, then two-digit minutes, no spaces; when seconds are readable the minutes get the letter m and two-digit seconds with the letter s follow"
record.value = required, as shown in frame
8h04m46s
